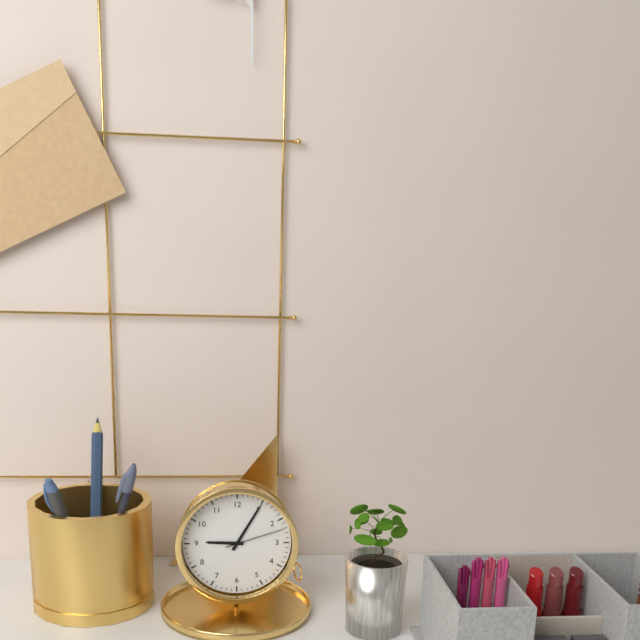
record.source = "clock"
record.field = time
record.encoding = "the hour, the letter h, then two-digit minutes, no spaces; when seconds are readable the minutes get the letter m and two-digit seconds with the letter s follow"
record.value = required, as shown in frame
9h05m12s
